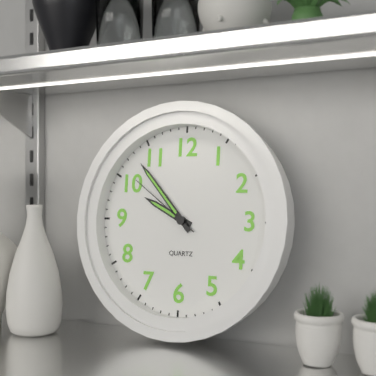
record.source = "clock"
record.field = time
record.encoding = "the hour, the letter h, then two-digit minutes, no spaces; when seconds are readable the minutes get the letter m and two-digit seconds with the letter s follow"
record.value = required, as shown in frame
9h53m51s
